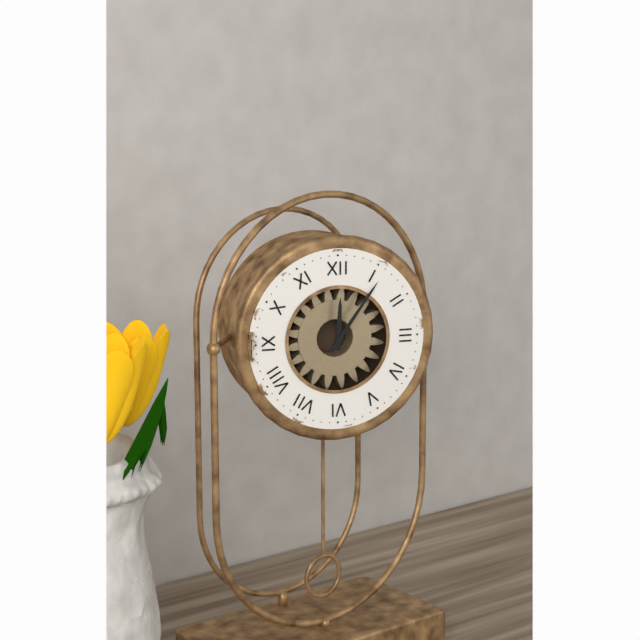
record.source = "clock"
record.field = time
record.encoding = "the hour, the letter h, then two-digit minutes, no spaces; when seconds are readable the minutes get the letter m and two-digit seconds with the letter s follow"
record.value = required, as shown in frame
12h06
